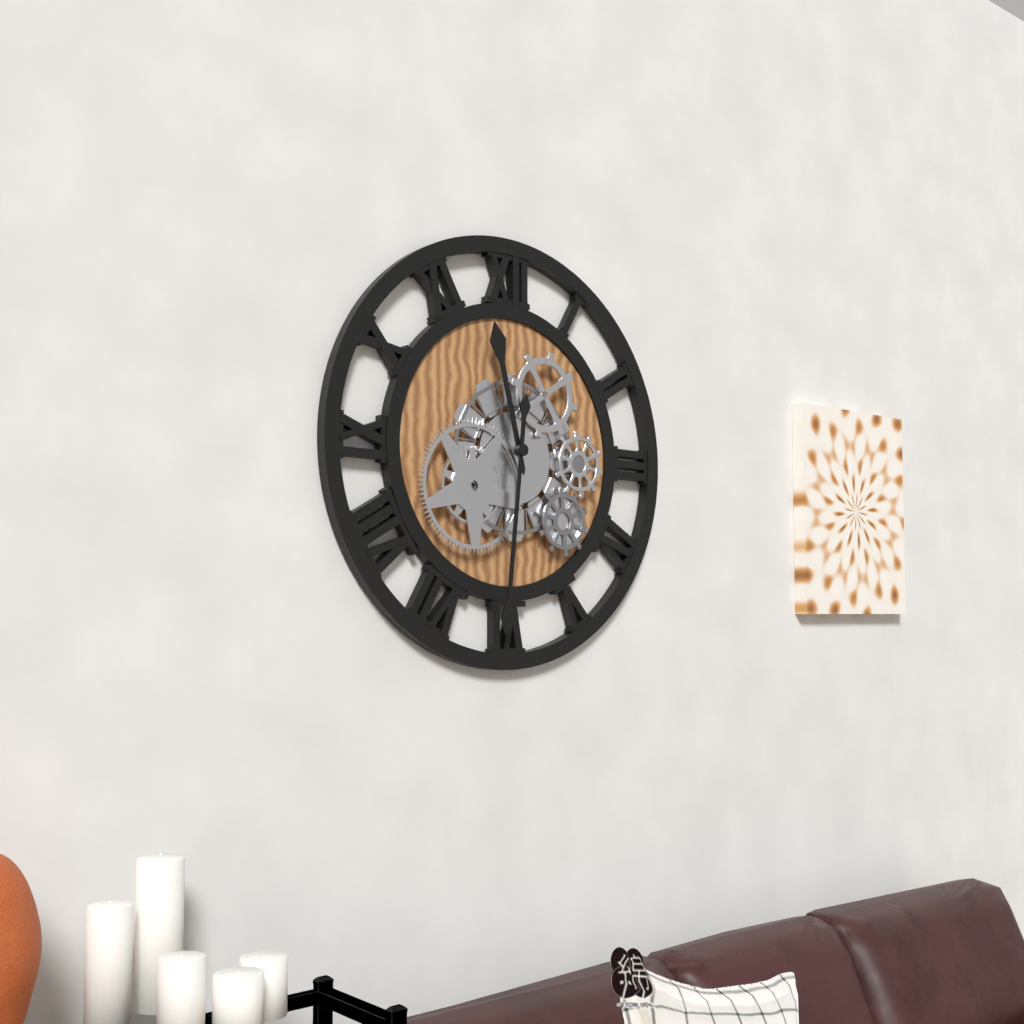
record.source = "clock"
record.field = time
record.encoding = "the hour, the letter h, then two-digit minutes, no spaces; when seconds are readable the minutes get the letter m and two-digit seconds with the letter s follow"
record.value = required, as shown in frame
11h31
